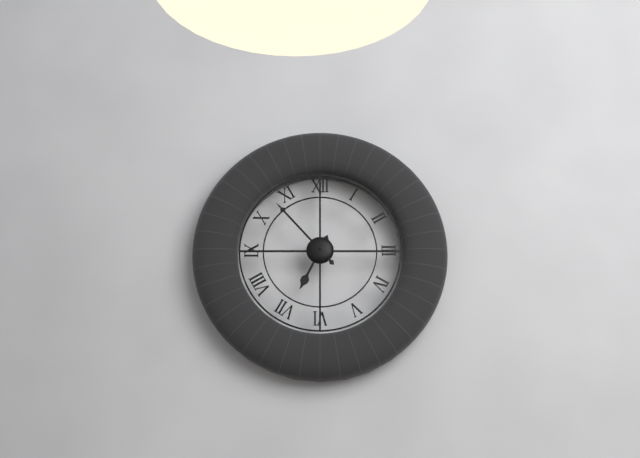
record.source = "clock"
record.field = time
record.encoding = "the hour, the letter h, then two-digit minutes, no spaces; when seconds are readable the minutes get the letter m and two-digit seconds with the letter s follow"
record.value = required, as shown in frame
6h53
